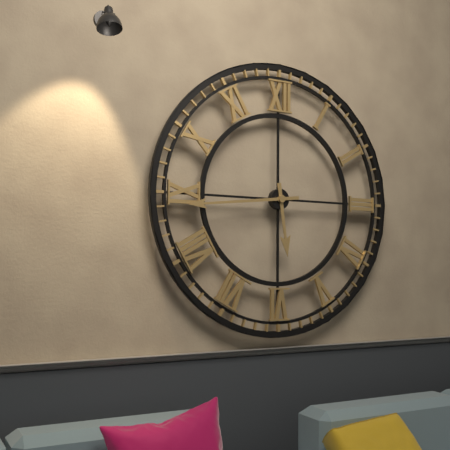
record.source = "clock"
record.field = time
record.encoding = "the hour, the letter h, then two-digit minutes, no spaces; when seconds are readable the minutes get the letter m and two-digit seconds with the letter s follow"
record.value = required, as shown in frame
5h44
